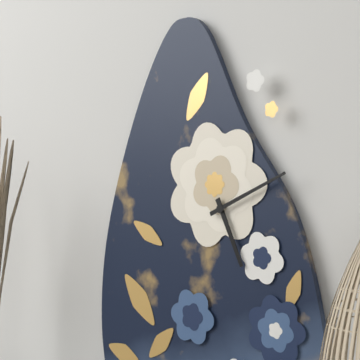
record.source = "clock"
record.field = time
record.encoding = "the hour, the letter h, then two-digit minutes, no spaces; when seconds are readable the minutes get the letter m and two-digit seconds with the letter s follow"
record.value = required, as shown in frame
5h11
